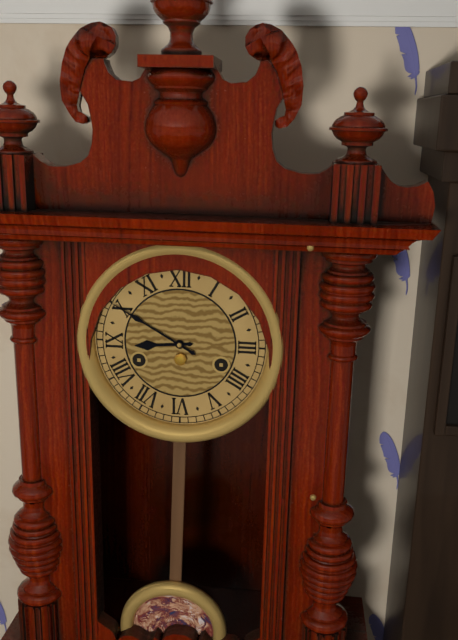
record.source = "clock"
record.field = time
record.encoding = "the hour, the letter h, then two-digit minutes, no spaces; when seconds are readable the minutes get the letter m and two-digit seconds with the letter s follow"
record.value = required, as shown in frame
8h50
